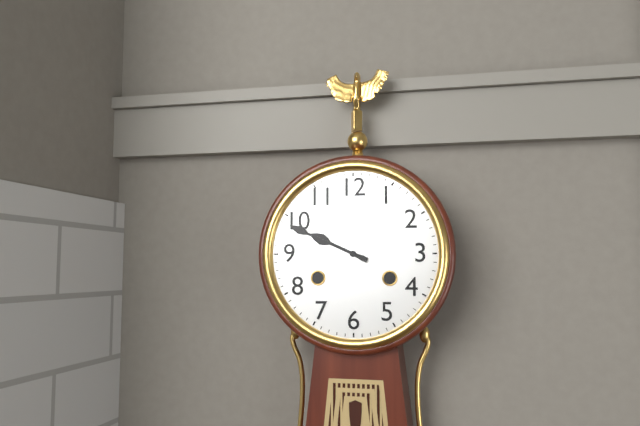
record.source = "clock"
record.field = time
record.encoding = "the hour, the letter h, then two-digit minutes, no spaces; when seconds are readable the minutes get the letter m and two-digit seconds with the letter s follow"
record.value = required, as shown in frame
9h49
